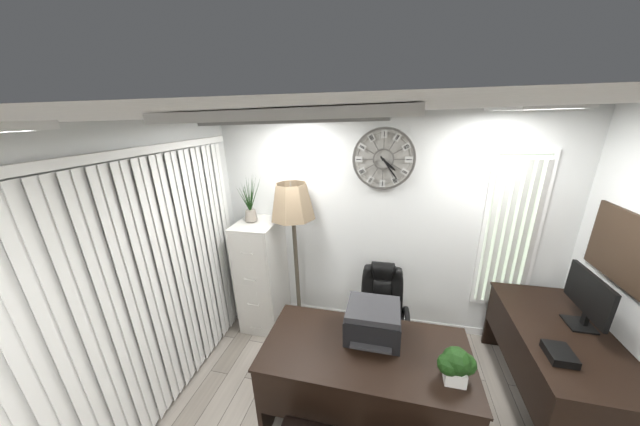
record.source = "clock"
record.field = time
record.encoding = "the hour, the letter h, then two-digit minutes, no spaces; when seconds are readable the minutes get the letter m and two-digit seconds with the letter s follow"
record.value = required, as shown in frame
4h24
